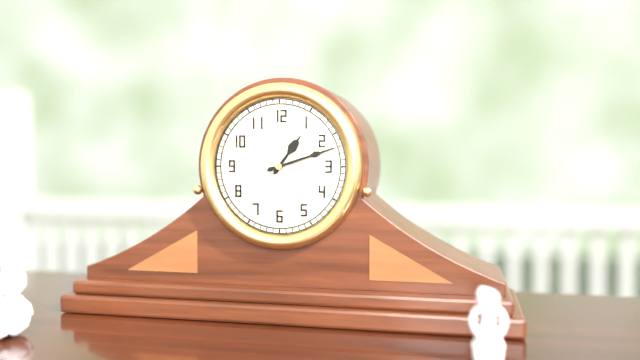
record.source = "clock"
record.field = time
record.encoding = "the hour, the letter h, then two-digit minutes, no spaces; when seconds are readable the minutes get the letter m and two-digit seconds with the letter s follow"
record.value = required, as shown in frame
1h12
